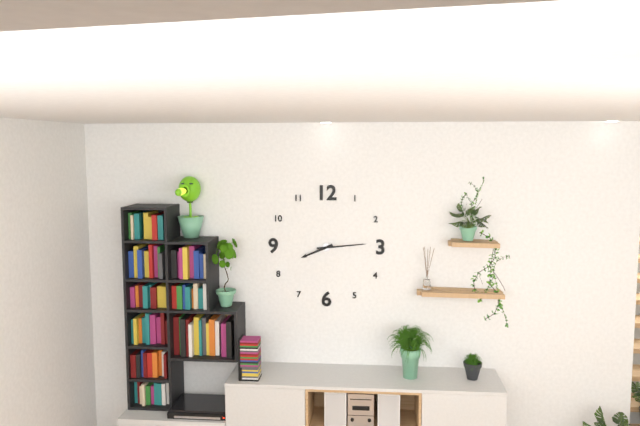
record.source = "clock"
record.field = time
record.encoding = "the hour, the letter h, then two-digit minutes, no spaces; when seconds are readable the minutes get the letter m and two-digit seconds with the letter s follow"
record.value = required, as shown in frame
8h14
